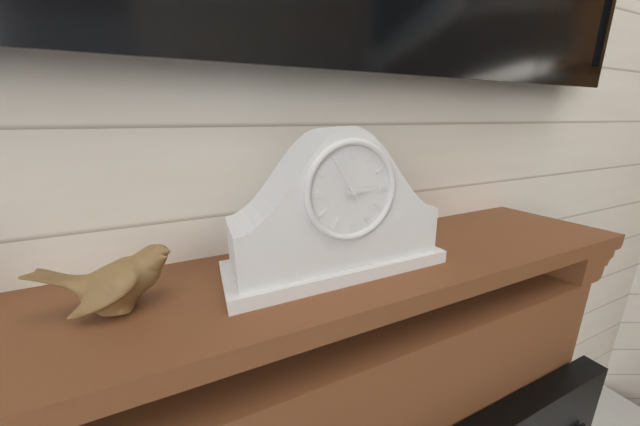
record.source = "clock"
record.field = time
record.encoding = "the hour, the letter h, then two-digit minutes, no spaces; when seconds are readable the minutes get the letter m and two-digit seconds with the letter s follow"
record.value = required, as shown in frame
2h55
